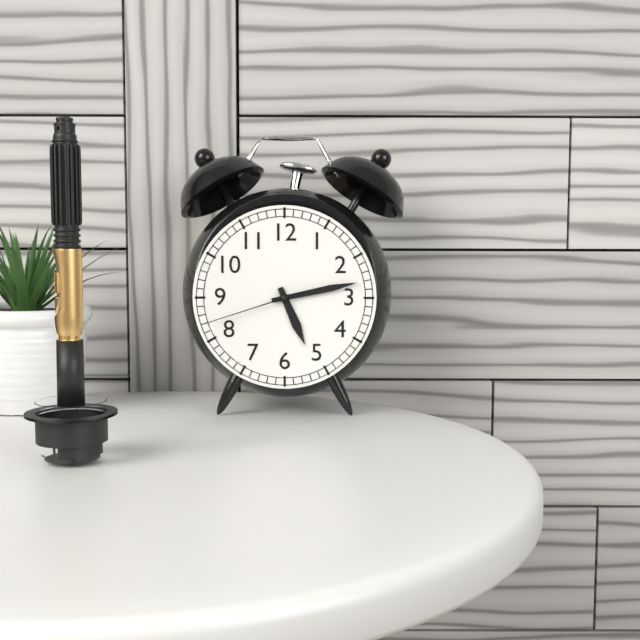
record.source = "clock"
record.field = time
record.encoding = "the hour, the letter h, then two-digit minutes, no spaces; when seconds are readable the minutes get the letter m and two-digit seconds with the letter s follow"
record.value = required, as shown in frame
5h13m42s
